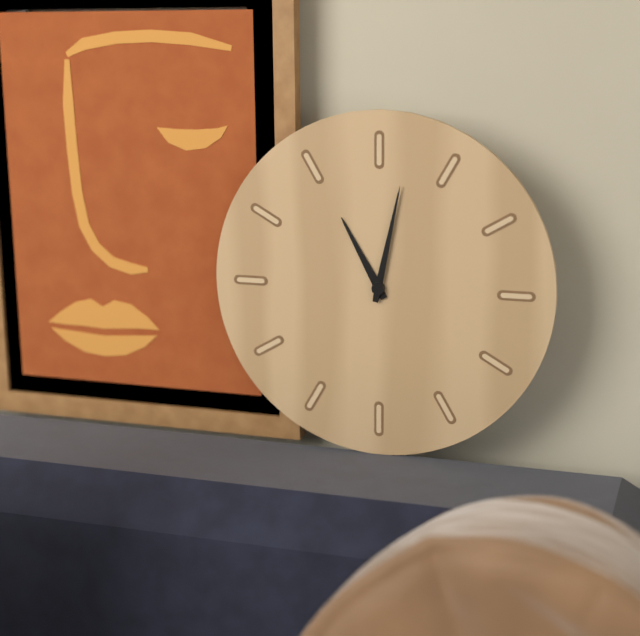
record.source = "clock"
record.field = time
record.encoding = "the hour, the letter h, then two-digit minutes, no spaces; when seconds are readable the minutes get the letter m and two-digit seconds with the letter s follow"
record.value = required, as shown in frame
11h02
